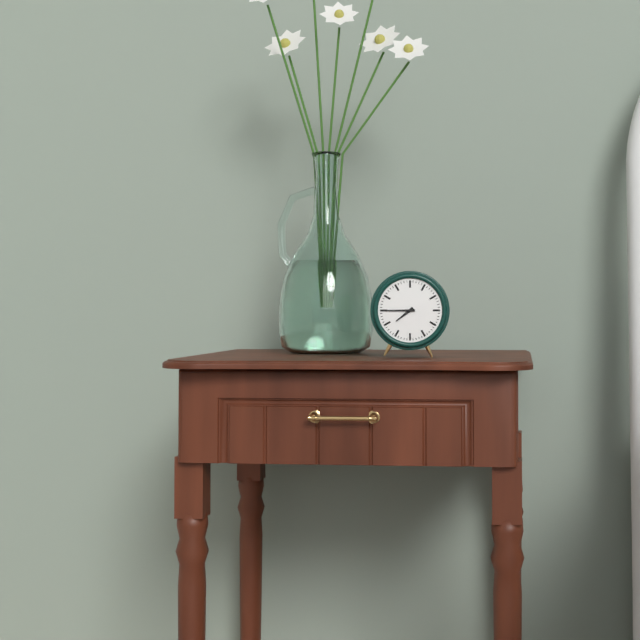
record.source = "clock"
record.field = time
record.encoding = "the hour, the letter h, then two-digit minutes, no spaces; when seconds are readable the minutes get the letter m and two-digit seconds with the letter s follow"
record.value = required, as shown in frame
7h45
